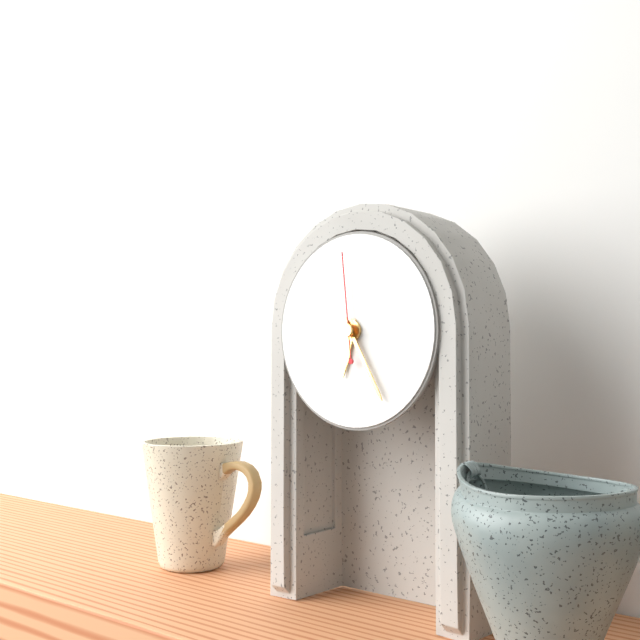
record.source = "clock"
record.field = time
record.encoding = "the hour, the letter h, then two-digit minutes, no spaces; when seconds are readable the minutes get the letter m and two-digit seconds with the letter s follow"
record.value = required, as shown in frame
6h25m59s
